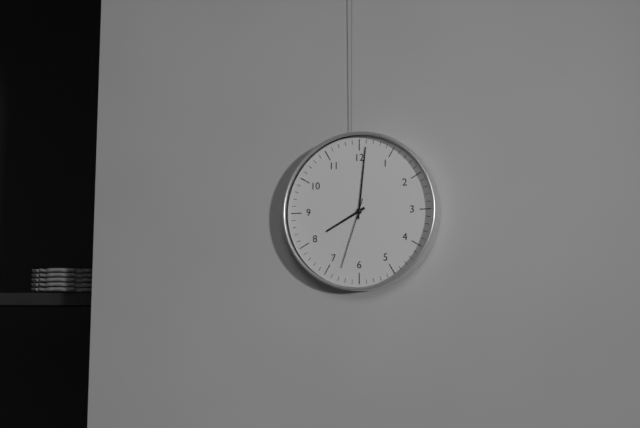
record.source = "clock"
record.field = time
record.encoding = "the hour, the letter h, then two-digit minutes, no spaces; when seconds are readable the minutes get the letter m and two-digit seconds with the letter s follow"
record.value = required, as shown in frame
8h01m33s
